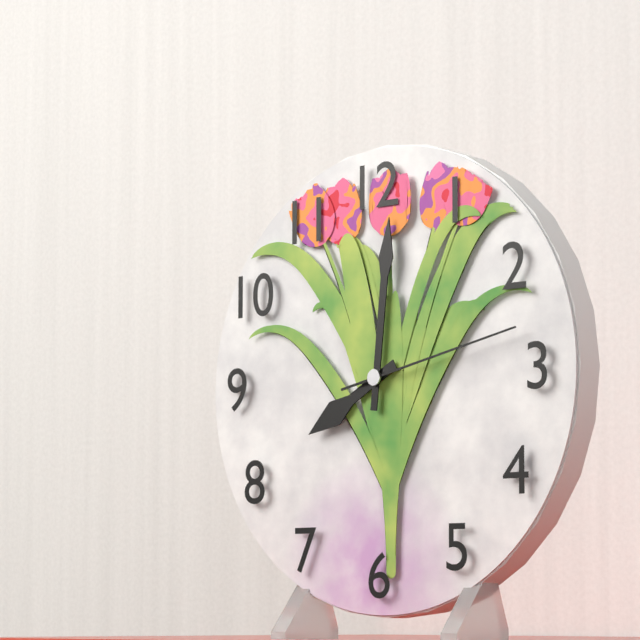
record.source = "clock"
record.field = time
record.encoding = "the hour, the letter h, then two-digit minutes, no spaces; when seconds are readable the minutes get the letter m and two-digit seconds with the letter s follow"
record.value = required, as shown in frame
8h01m13s
